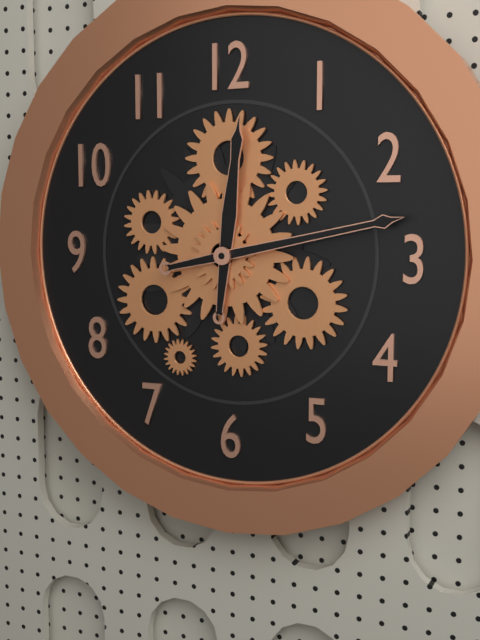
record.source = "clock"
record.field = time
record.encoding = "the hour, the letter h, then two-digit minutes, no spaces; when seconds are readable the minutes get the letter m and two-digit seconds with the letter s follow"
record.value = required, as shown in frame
12h13
